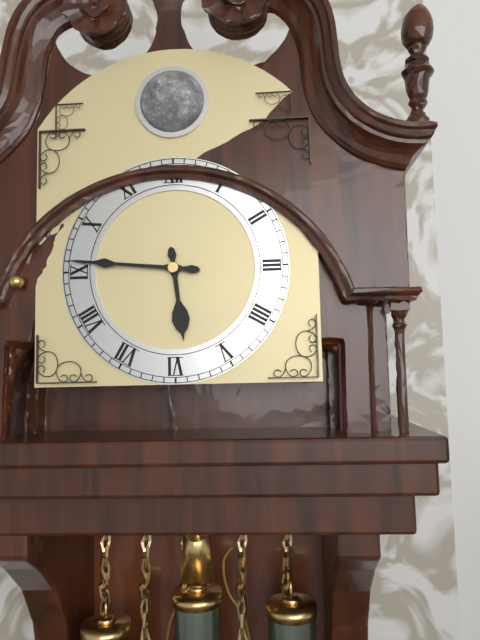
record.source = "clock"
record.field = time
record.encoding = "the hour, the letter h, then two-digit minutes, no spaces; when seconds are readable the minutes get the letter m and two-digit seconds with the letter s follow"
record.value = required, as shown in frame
5h46
